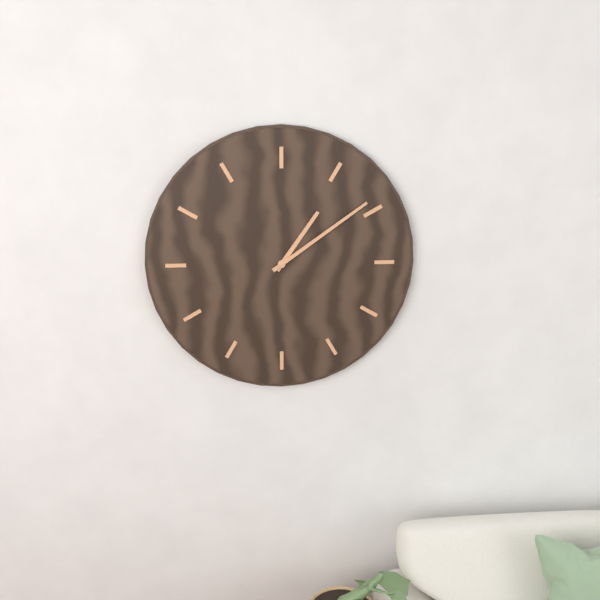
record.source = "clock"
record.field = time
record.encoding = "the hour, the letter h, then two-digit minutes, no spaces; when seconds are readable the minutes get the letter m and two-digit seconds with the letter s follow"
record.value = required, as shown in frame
1h09
